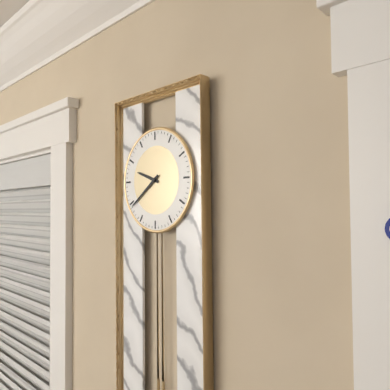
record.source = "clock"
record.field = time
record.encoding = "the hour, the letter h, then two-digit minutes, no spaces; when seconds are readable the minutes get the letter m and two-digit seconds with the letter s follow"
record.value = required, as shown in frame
9h39
